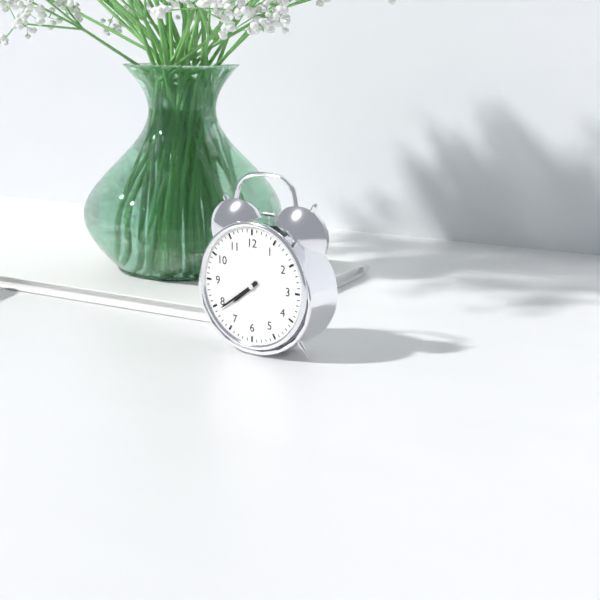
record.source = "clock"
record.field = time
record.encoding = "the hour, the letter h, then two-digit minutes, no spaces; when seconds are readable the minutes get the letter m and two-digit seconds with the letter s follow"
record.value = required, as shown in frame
7h39
